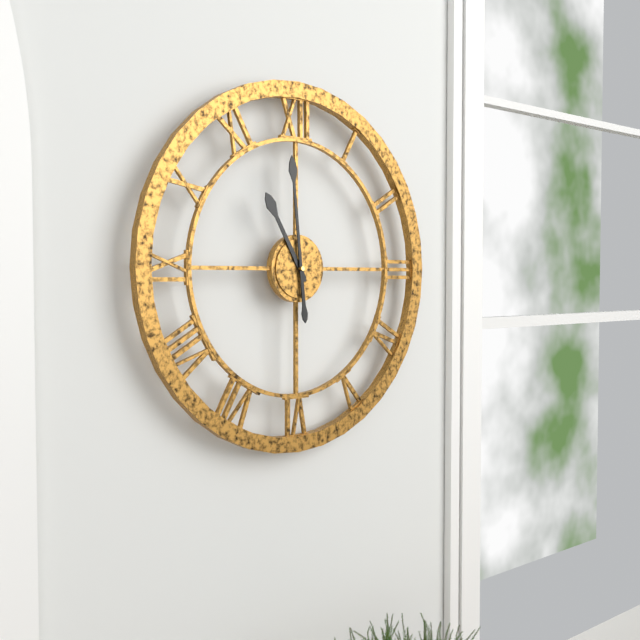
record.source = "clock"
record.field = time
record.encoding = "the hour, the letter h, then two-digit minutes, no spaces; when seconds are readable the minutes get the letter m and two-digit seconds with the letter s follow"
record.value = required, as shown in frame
10h59
